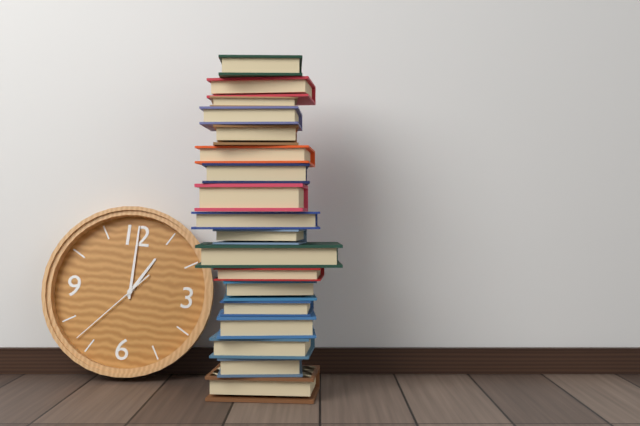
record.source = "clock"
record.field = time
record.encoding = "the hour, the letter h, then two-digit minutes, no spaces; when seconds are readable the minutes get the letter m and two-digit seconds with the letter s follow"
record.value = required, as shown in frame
1h00m37s
